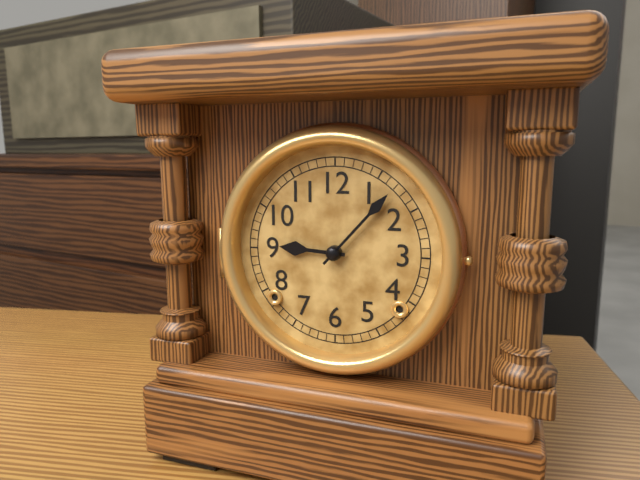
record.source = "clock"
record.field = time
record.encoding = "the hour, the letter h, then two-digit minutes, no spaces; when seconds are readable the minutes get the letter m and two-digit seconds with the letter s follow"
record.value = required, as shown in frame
9h07
